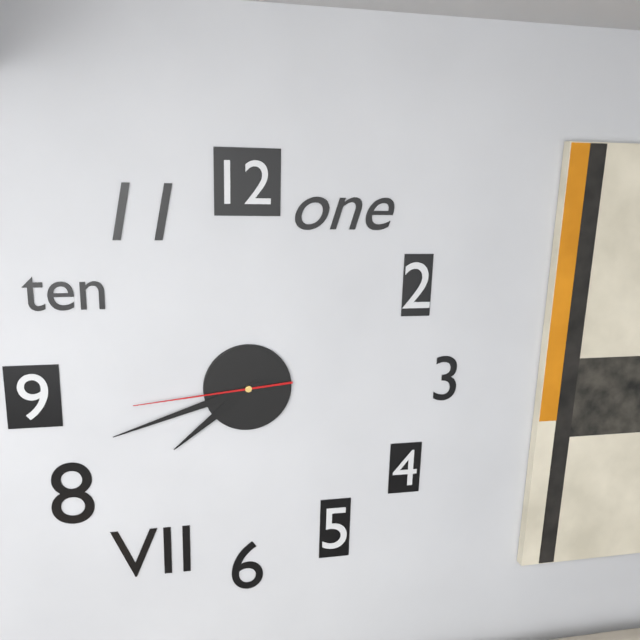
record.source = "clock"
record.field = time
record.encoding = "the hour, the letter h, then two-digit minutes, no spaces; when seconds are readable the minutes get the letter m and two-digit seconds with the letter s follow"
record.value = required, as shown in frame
7h42m44s
